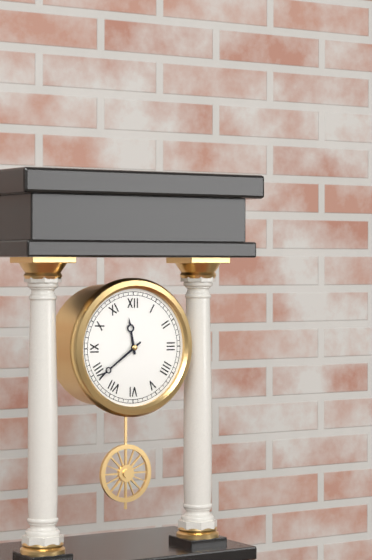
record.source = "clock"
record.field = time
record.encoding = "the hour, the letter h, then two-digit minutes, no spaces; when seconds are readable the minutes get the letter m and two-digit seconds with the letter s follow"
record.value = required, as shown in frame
11h39
